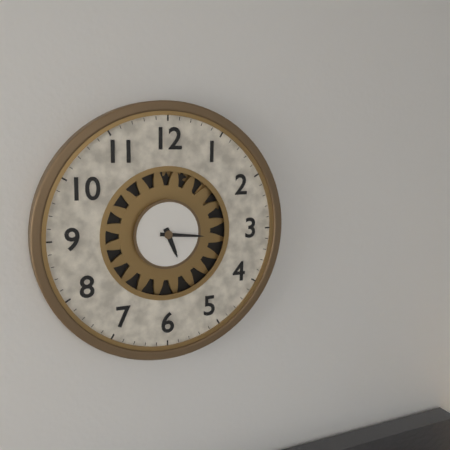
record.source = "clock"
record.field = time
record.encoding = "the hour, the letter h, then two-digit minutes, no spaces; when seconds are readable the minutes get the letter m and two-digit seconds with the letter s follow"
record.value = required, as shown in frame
5h16
